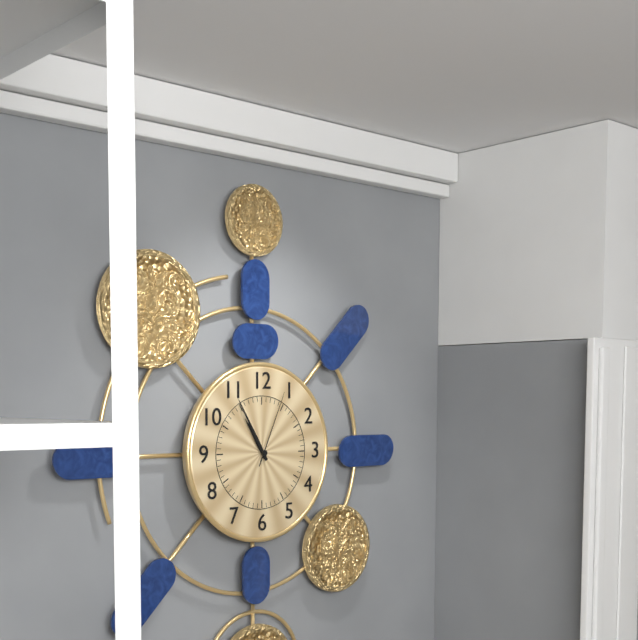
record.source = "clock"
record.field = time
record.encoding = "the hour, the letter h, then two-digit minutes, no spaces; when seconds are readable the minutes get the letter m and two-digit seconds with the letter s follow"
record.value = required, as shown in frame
10h55m04s
